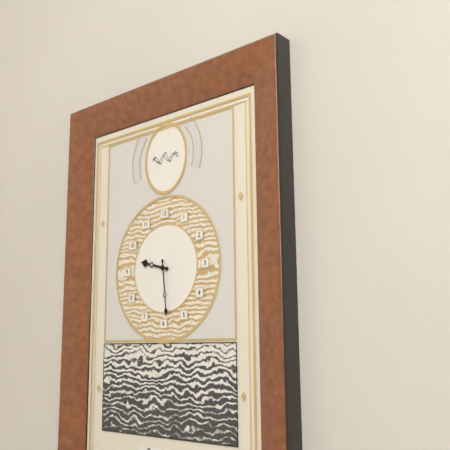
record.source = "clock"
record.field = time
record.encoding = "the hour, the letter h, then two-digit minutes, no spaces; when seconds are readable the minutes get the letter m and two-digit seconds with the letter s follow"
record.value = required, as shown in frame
9h29
